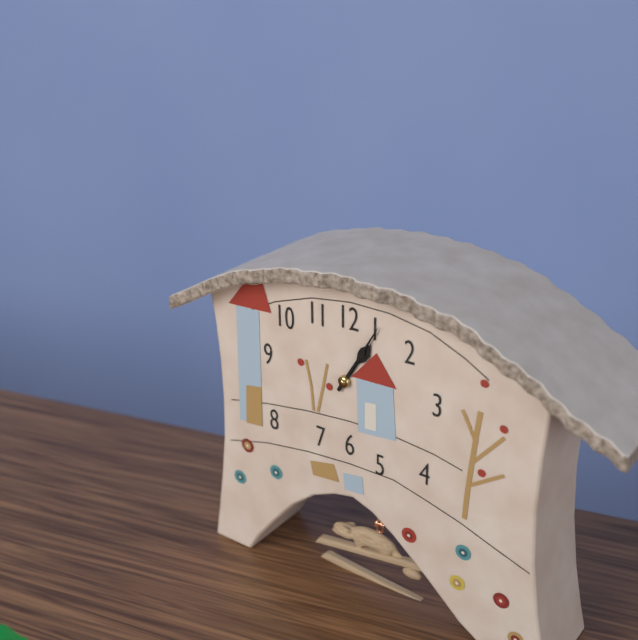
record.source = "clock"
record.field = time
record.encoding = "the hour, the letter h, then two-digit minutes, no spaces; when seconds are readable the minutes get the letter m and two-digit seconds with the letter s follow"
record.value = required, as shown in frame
1h05
